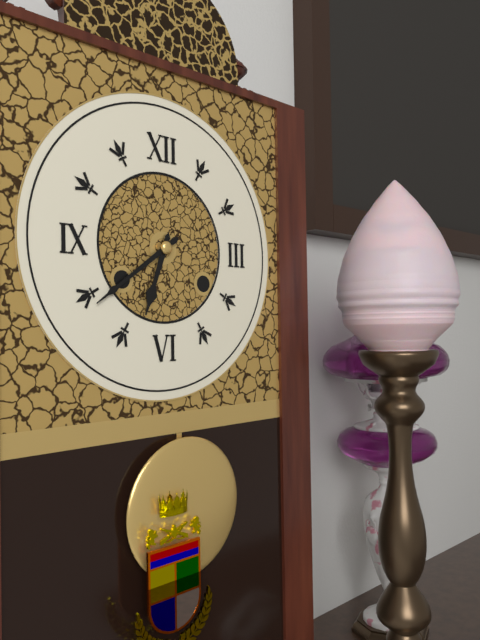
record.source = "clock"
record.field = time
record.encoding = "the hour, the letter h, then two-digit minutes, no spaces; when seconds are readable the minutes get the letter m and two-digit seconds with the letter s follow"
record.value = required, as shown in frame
6h39
